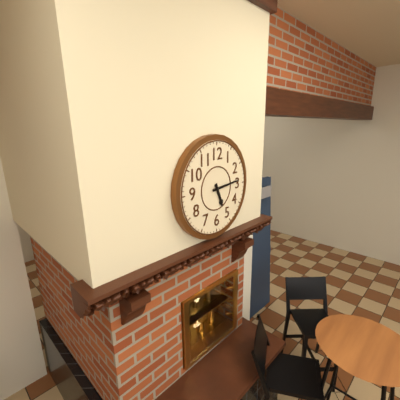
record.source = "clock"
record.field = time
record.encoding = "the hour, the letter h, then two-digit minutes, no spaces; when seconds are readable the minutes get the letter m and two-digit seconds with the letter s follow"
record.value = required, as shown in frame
5h14
